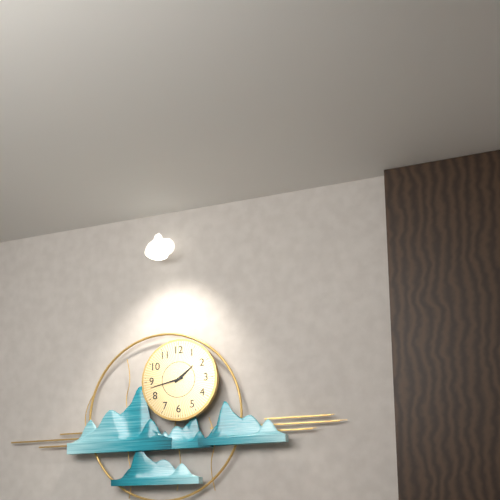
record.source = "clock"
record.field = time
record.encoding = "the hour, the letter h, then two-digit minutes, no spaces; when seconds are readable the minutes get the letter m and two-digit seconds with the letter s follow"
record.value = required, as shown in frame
1h43
